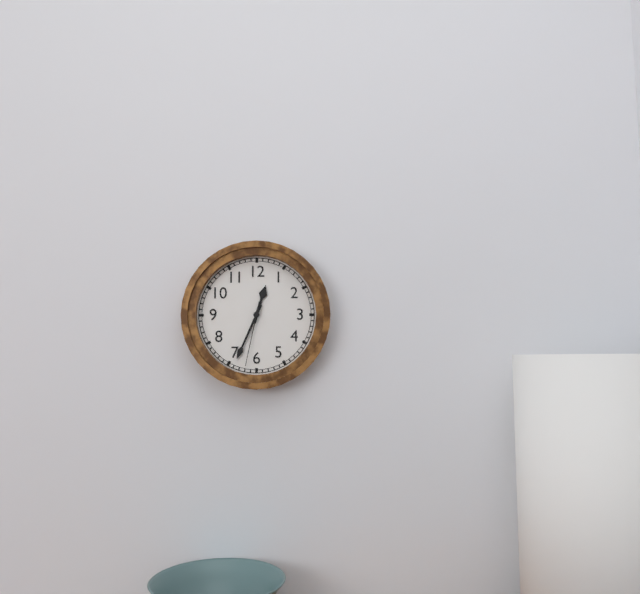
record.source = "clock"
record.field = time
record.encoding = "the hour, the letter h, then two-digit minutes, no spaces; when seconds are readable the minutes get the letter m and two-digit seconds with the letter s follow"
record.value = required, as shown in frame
12h34m32s
